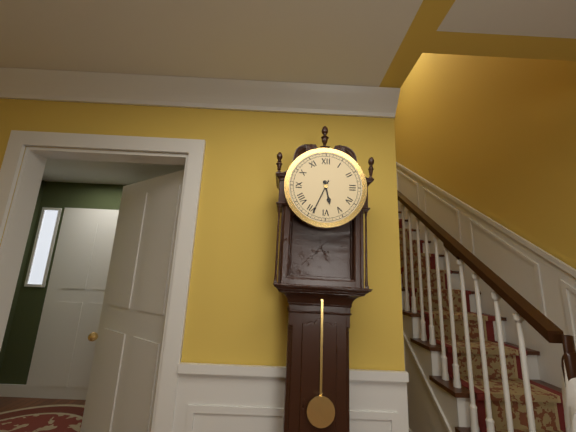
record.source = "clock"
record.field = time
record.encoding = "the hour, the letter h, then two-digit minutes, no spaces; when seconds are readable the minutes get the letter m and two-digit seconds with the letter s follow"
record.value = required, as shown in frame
5h34
